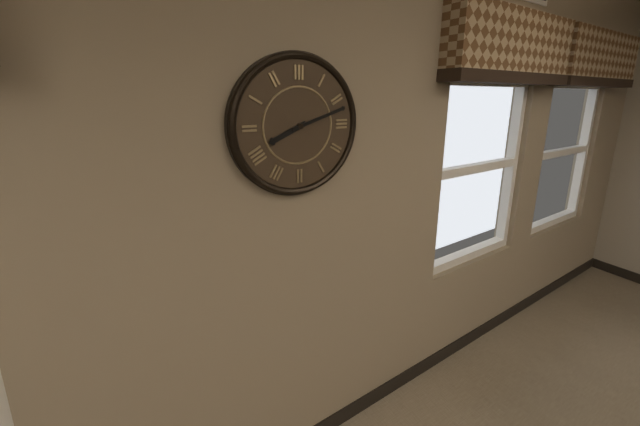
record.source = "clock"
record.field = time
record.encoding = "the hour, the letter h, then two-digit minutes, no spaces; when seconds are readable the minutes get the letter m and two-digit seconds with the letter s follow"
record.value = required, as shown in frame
8h12
